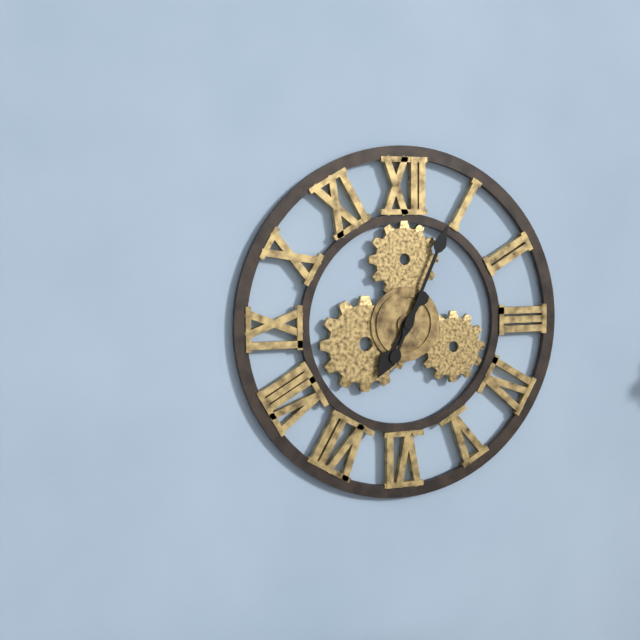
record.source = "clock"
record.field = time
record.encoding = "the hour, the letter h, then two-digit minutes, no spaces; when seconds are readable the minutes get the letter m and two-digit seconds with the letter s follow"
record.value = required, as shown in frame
7h04
